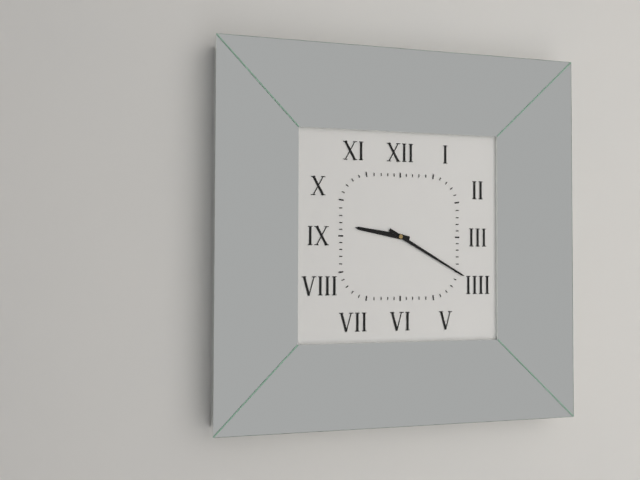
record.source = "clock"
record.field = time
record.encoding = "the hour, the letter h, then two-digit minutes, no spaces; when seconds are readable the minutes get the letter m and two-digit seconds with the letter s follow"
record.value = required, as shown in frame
9h20
